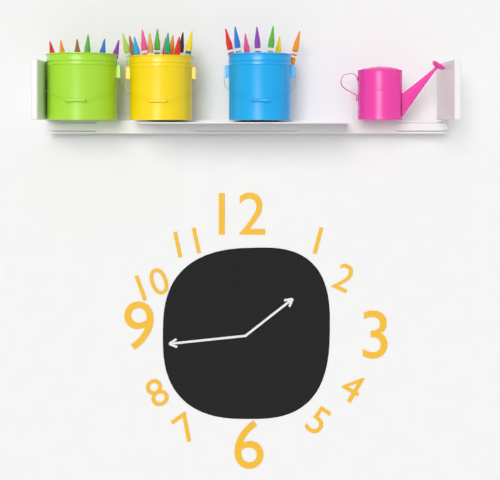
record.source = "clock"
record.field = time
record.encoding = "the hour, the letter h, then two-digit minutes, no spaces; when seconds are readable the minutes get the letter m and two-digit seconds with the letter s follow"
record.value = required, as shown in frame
1h44
